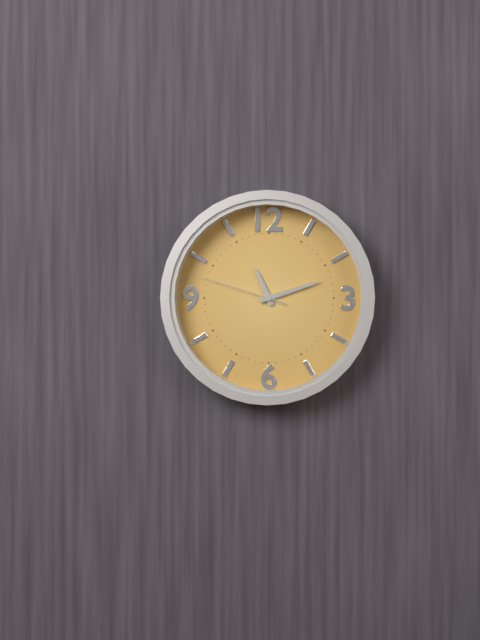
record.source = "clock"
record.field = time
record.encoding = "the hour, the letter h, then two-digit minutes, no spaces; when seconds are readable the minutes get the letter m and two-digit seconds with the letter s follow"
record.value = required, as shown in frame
11h12m48s
